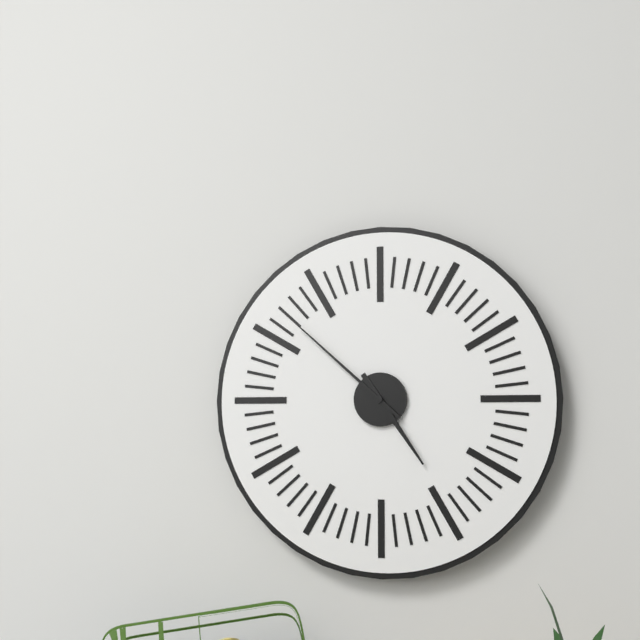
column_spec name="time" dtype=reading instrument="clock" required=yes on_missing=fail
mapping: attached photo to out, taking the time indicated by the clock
4:52
